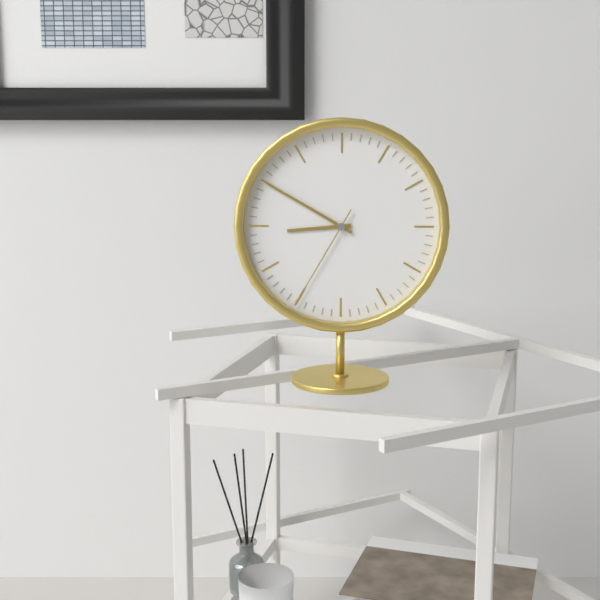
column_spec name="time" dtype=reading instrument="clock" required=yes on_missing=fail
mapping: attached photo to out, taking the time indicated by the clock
8:50:35
